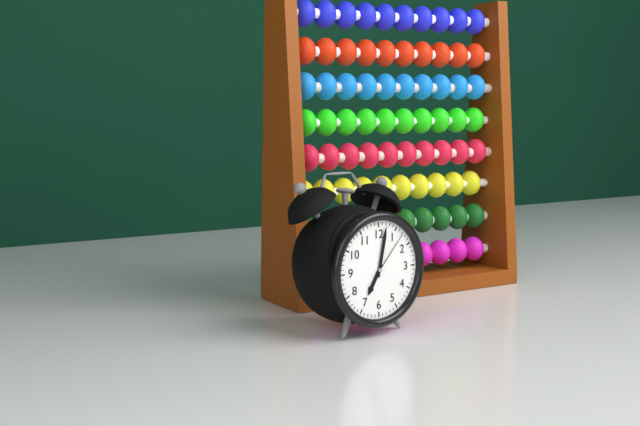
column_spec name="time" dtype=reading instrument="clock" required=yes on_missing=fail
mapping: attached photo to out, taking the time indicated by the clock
7:02:07
